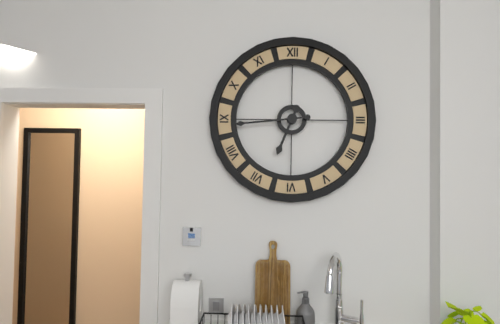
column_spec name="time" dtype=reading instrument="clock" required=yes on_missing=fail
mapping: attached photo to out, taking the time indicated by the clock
6:44
